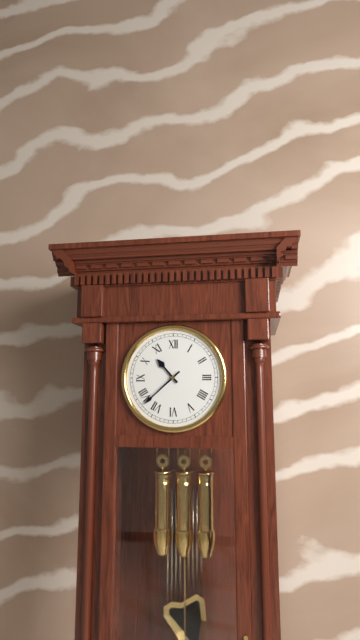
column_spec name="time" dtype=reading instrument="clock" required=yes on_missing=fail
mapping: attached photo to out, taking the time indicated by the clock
10:38
